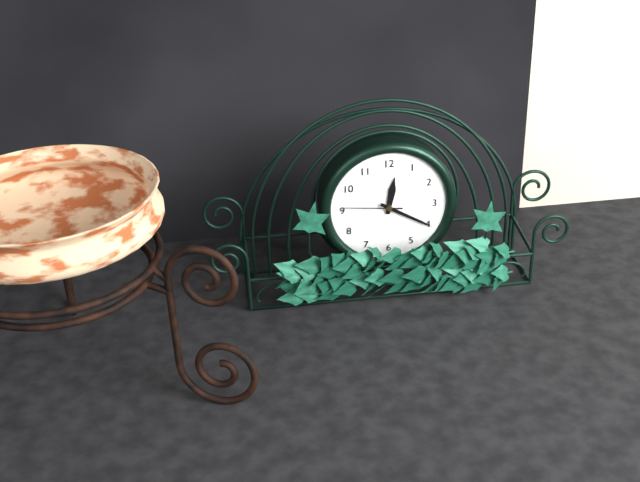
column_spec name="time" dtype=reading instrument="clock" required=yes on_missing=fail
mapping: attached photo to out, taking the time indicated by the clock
12:20:46
